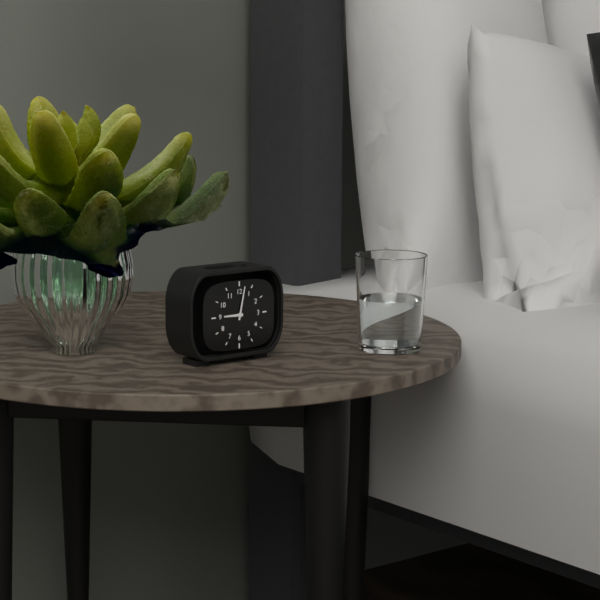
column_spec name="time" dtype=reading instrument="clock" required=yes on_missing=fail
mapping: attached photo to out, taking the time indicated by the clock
9:02
